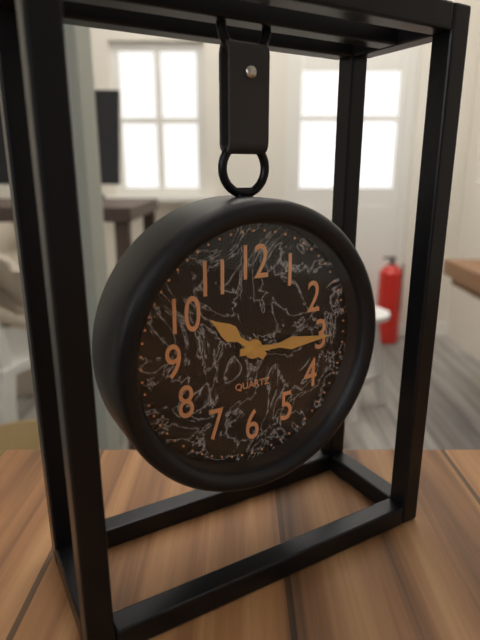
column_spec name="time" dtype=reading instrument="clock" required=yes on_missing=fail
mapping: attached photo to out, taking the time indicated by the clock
10:15
